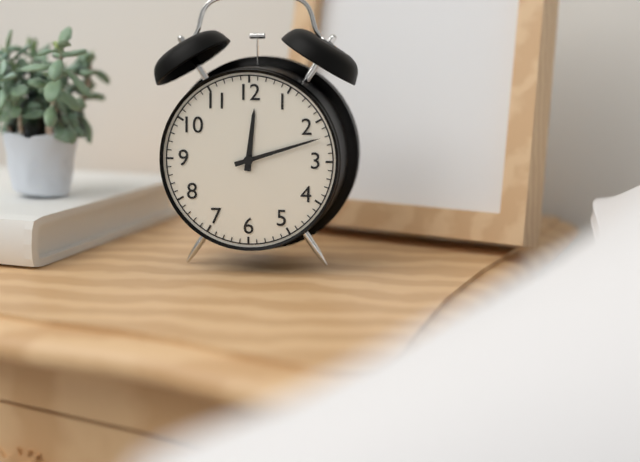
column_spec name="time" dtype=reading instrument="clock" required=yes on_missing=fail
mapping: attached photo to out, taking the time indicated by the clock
12:12
